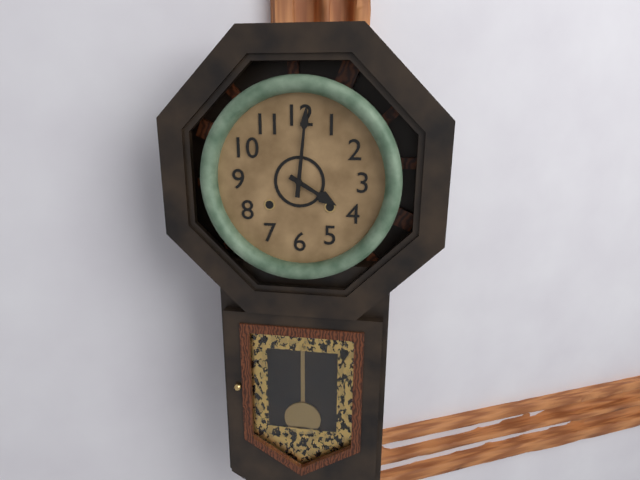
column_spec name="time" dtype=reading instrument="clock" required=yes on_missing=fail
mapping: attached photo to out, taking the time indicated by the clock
4:01
